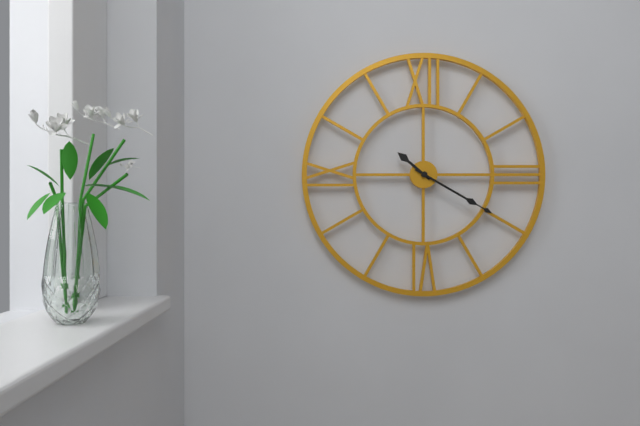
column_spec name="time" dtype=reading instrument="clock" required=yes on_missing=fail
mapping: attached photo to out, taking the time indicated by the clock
10:20:20
